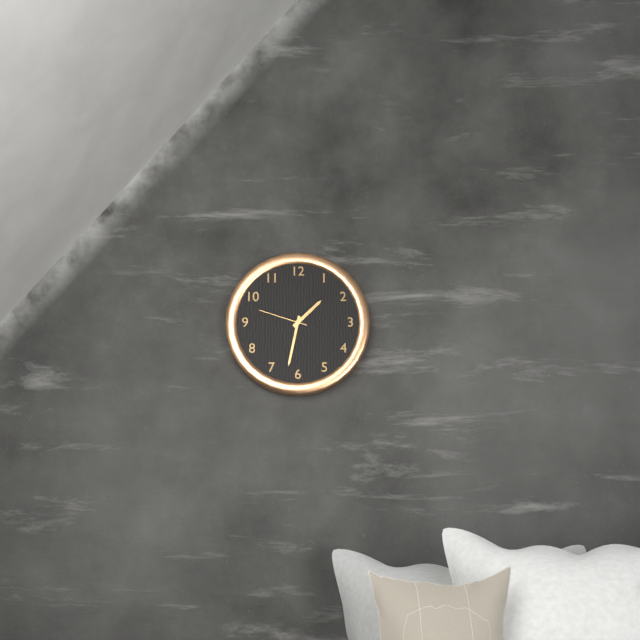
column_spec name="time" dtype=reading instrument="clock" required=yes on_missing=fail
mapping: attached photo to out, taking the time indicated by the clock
1:32:48
